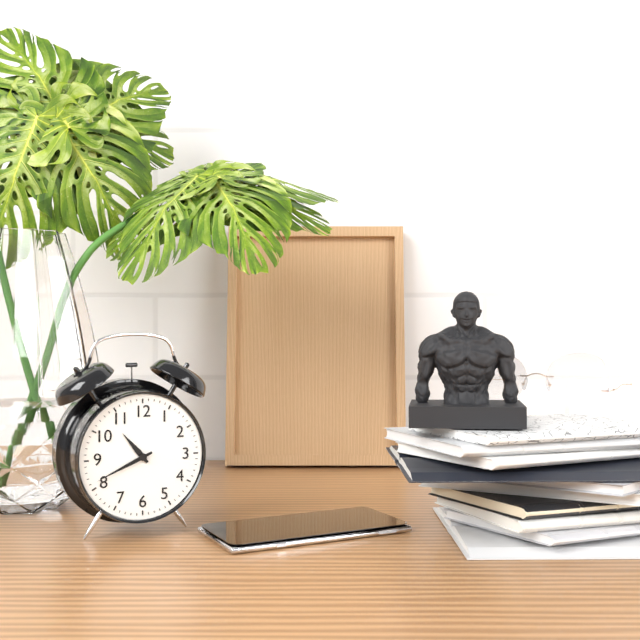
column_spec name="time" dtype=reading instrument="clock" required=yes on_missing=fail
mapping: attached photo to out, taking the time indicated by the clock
10:41
